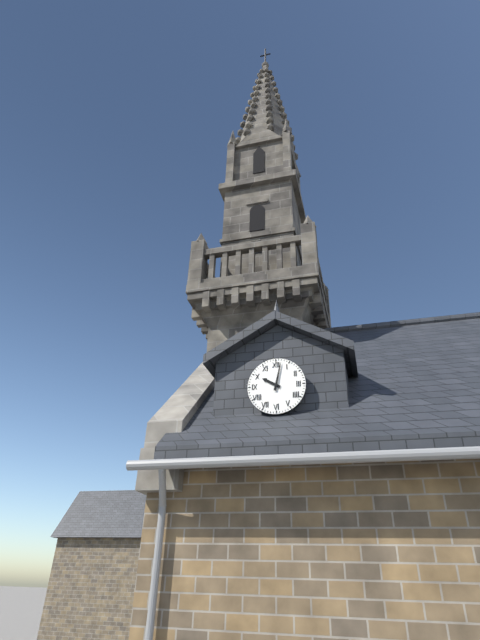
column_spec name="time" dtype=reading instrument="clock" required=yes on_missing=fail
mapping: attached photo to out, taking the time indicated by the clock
10:02
